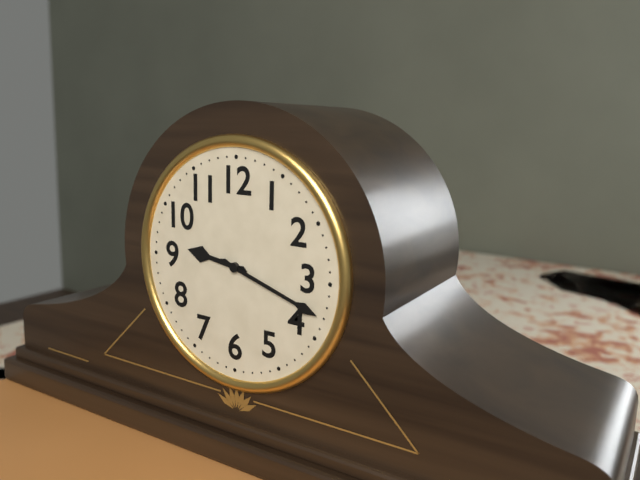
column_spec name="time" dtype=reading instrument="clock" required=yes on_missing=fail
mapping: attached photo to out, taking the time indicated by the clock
9:18
